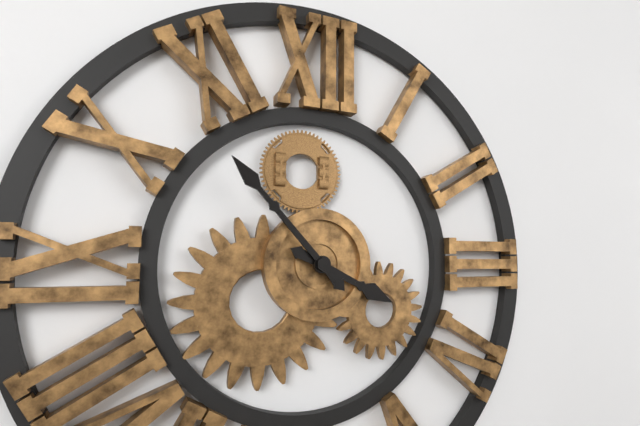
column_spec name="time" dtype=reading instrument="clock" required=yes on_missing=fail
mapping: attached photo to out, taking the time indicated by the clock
3:53
